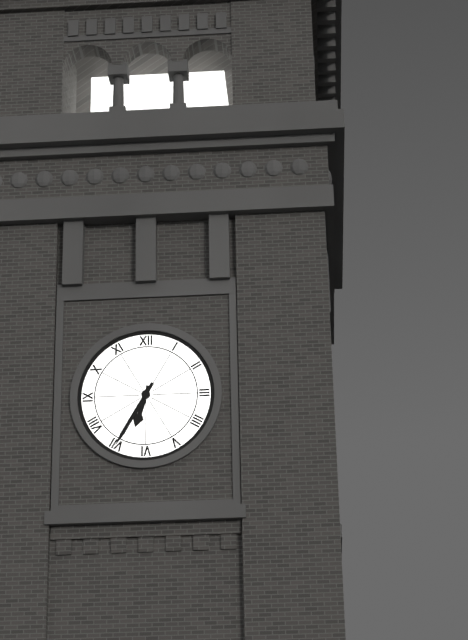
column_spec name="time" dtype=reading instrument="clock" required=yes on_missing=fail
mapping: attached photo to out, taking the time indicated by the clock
6:35
